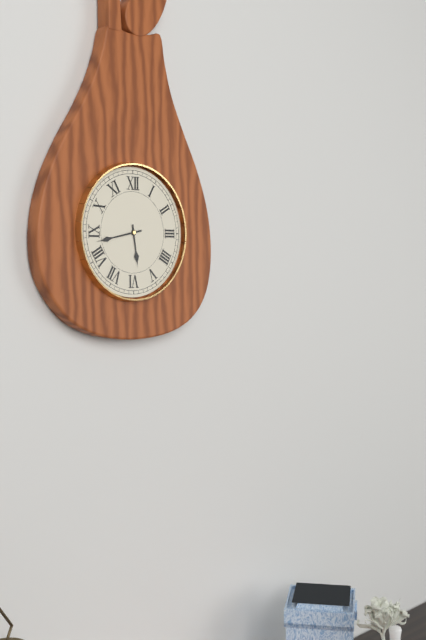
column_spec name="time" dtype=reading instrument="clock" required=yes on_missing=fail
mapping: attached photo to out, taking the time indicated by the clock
5:43
